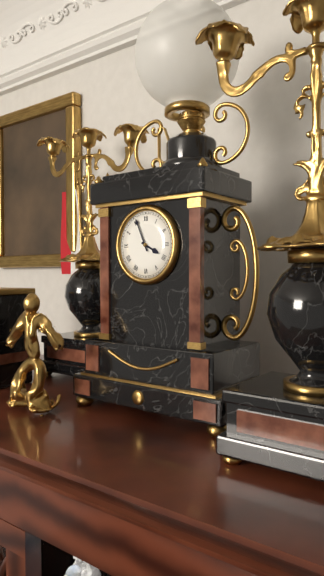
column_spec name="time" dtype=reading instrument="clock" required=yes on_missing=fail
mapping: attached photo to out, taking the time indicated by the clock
3:56
